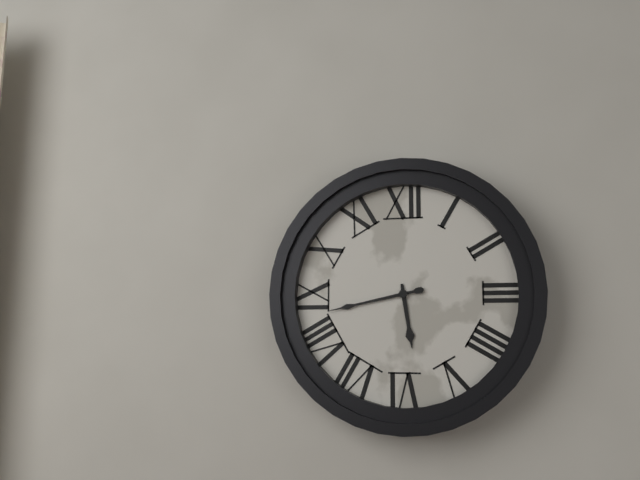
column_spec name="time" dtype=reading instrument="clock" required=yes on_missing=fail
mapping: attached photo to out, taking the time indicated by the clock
5:43
